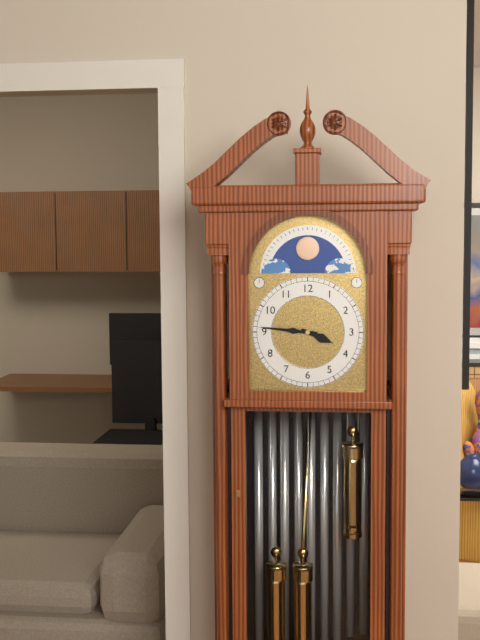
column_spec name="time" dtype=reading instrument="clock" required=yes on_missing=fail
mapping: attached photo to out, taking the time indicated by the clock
3:46
